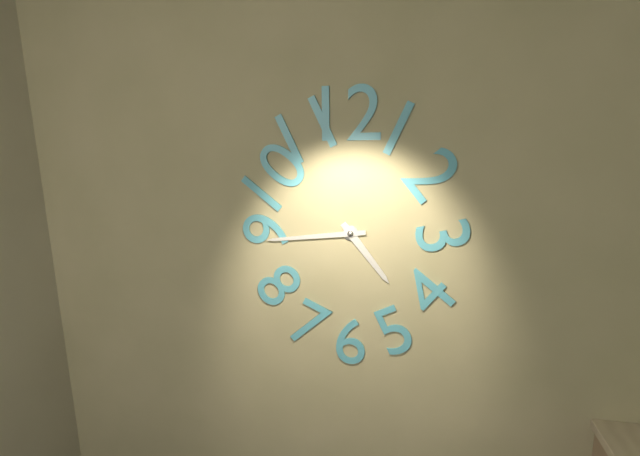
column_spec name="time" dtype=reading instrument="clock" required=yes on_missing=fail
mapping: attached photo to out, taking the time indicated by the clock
4:44
